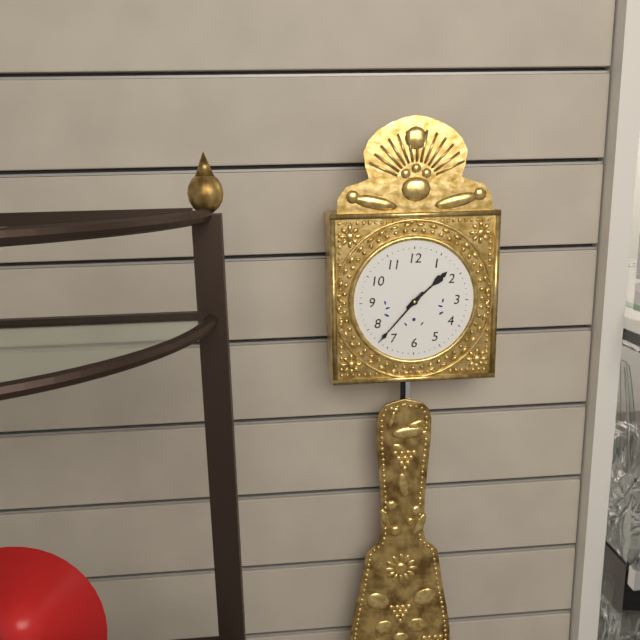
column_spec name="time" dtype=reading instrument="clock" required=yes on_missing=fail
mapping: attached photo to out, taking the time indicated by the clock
1:37
